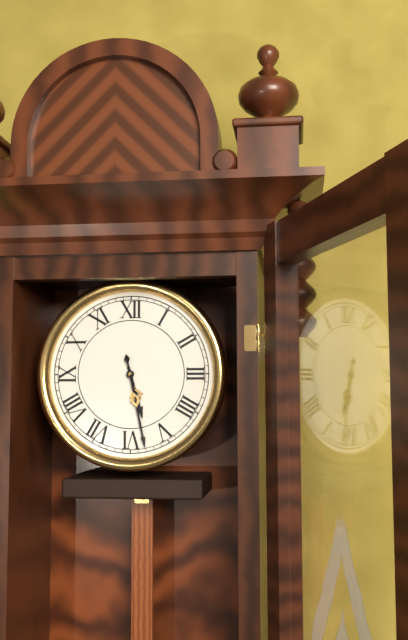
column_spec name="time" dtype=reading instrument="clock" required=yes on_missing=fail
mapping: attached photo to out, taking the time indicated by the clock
5:28
